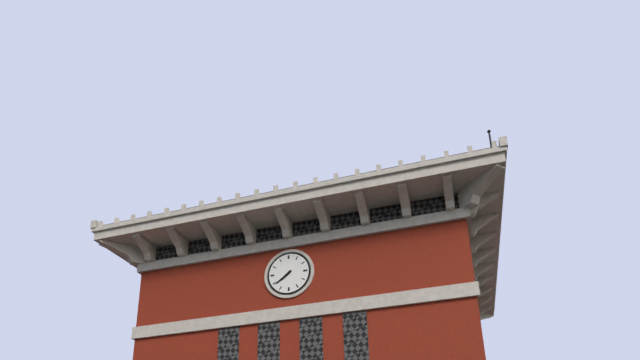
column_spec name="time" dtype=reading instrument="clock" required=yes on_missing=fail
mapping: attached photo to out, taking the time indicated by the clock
7:39
